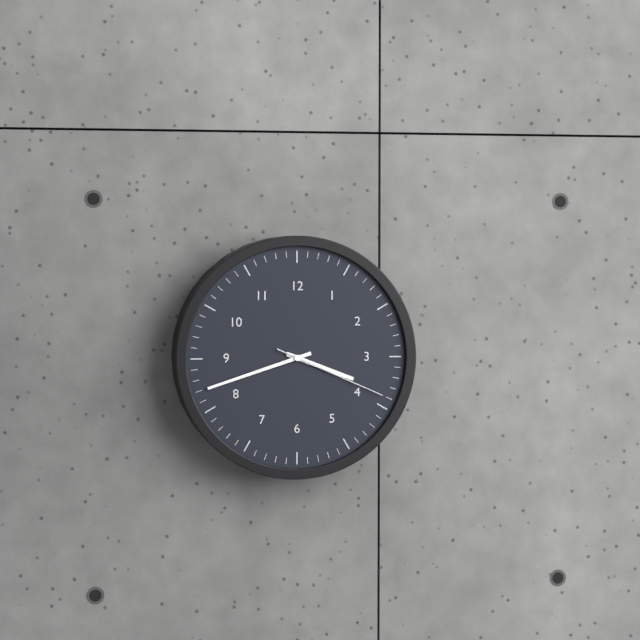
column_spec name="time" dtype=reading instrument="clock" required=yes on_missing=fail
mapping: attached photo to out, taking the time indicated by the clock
3:42:19
